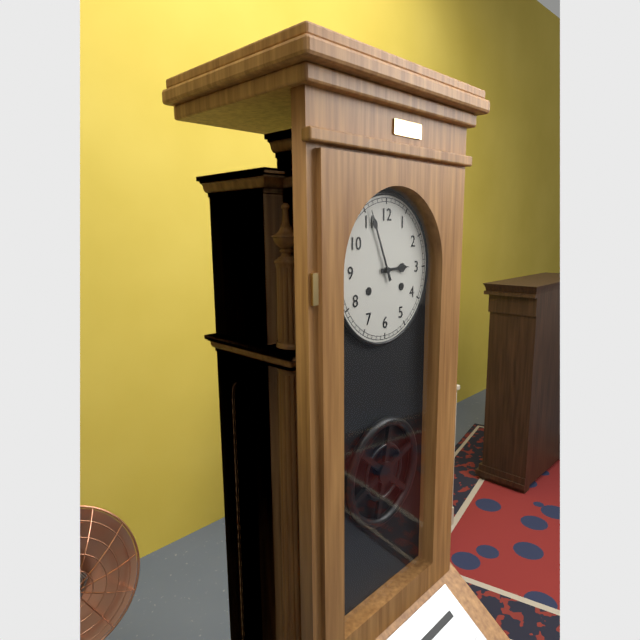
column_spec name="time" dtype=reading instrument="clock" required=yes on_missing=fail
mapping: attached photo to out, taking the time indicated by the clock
2:56
